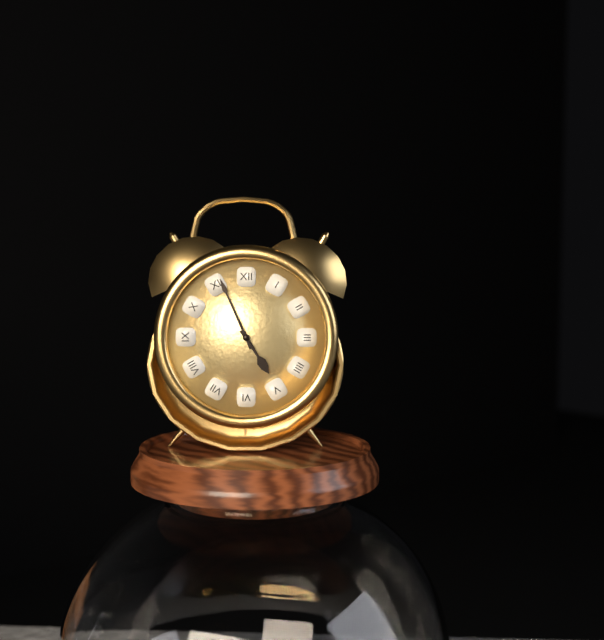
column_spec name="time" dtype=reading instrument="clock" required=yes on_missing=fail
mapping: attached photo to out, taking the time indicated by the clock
4:56
